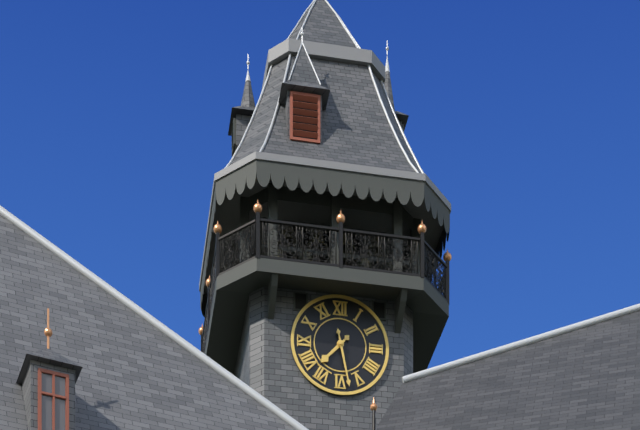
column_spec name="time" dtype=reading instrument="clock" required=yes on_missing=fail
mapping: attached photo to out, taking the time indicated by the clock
7:28
